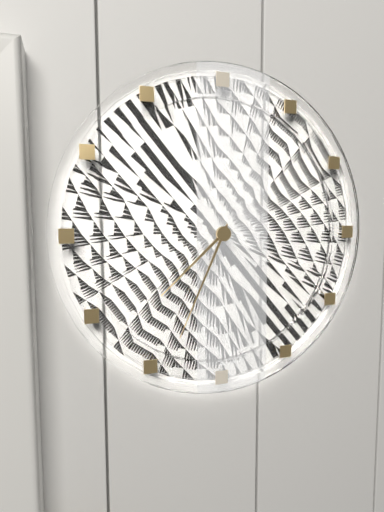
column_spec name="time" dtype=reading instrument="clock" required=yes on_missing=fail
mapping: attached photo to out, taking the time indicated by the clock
7:34
